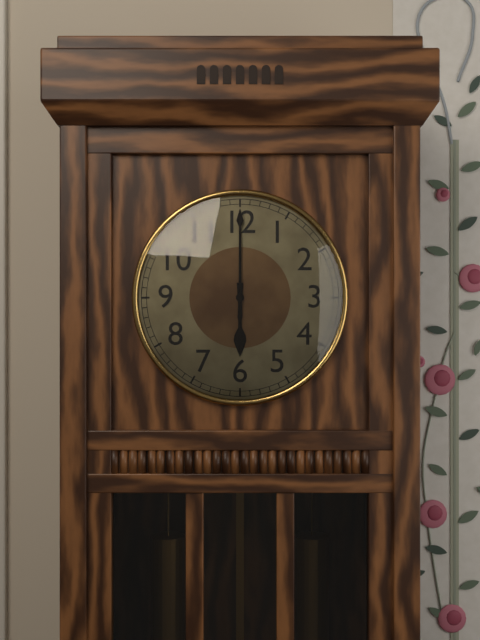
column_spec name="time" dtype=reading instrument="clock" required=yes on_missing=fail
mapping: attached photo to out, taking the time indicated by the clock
6:00
